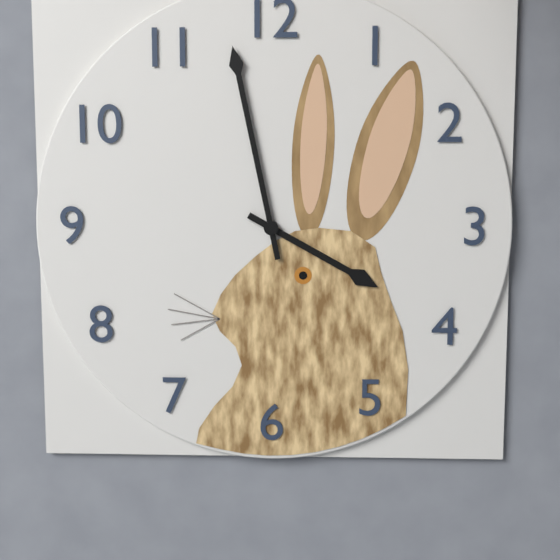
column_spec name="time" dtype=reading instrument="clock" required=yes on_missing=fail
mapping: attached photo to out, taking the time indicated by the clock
3:58
